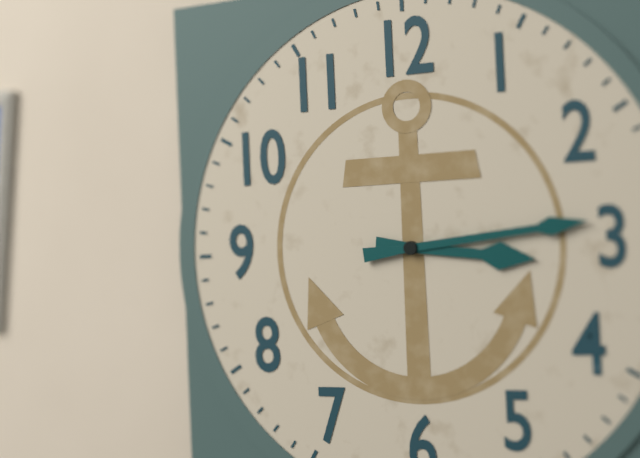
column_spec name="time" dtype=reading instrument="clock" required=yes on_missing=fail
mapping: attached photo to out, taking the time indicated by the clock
3:14
